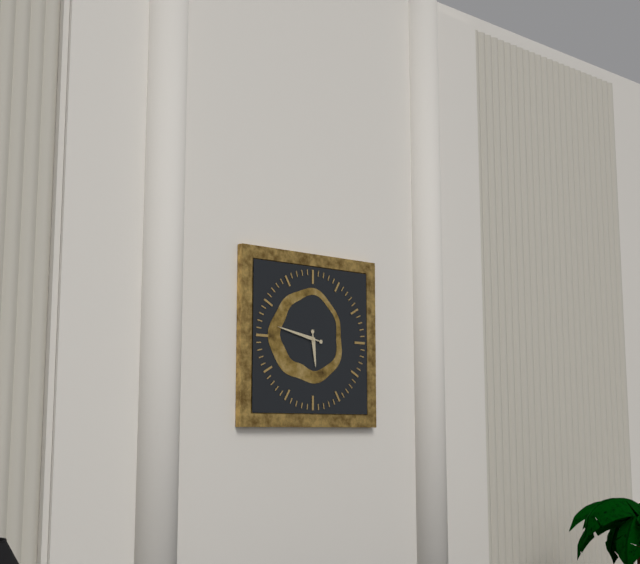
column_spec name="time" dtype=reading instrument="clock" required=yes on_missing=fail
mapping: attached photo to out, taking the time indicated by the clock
5:47
